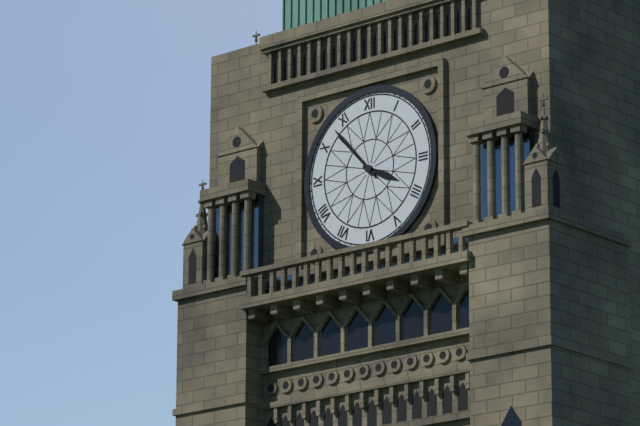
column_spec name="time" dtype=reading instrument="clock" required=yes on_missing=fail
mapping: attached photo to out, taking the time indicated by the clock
3:53
